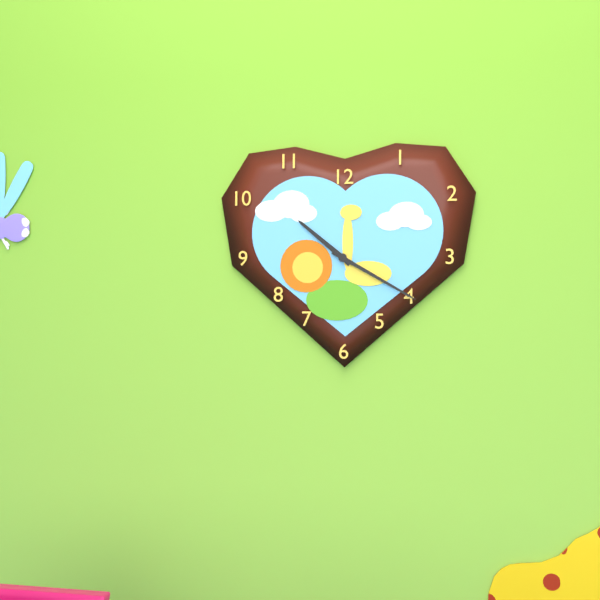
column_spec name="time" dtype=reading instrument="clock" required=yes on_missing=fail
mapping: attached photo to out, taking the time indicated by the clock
10:20
